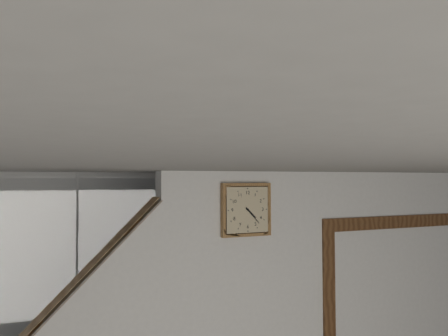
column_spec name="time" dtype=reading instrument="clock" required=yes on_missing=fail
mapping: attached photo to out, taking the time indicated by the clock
4:23
